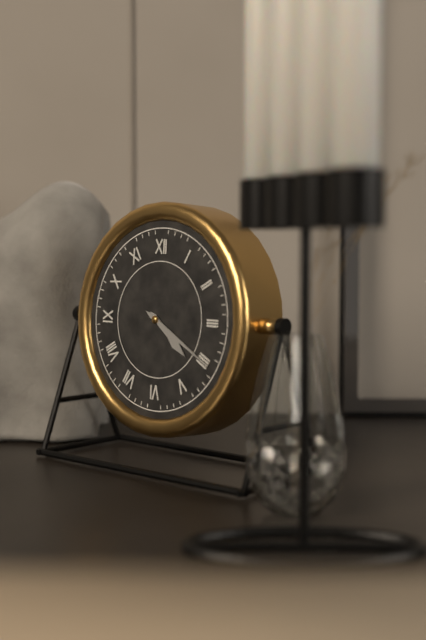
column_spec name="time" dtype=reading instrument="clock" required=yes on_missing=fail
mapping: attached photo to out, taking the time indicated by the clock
4:20
